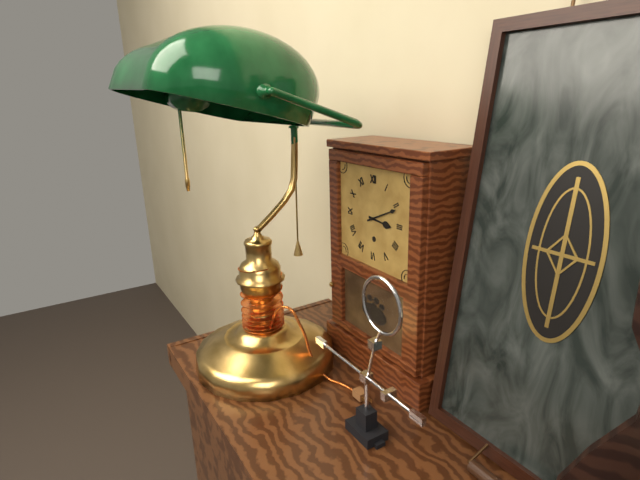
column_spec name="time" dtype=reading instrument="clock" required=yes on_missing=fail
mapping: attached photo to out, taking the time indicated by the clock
3:11
